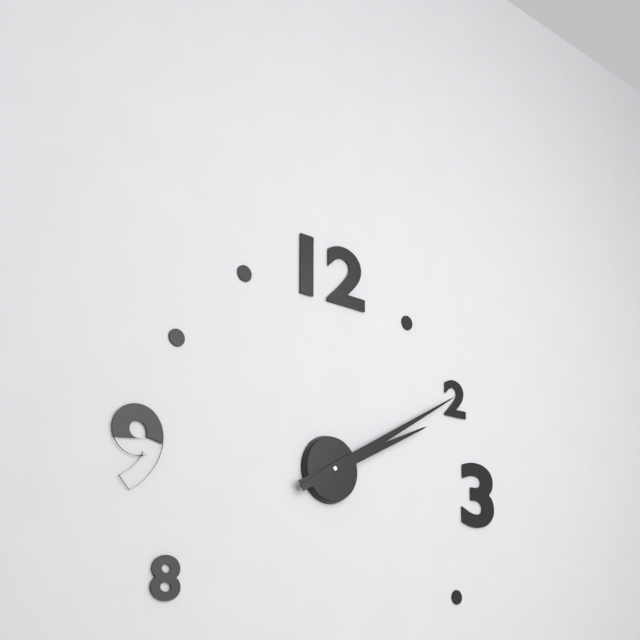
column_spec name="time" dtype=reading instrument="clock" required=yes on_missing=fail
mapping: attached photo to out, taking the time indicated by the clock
2:10
